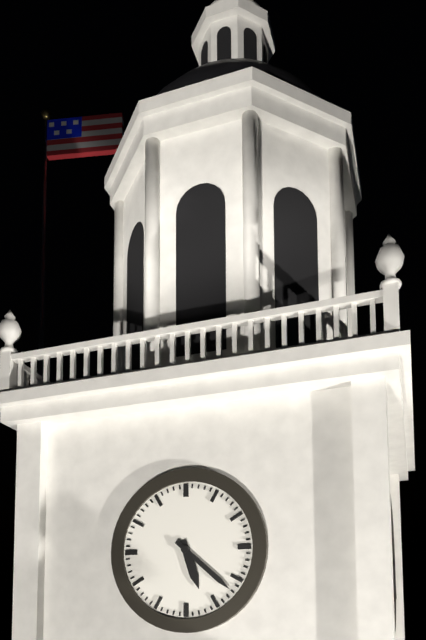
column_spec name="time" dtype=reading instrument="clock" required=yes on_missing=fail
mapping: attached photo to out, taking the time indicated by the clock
5:22
